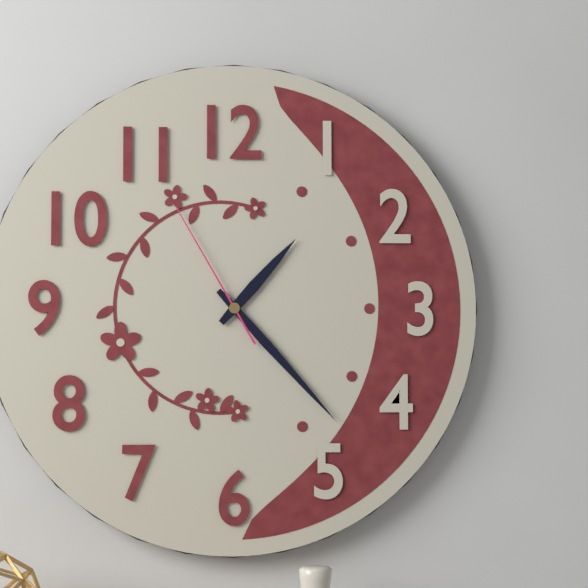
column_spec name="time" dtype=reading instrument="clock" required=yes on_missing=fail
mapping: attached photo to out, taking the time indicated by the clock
1:23:55
